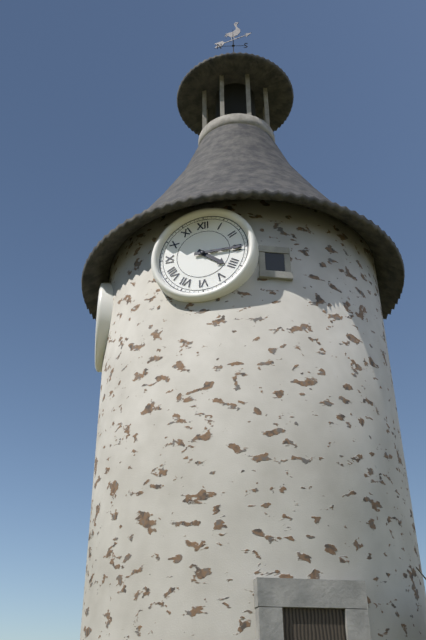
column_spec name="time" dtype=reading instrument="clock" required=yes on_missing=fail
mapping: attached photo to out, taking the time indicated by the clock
4:15
